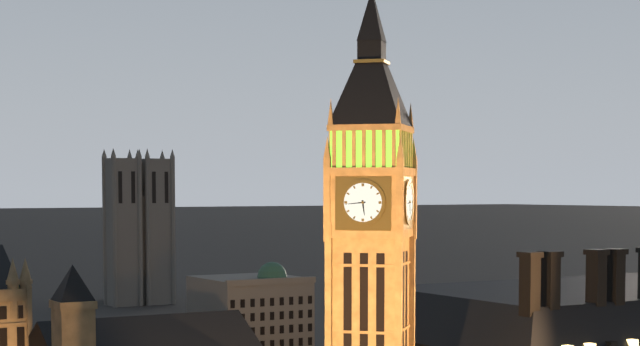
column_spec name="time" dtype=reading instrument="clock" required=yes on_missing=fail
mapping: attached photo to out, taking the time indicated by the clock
5:44
